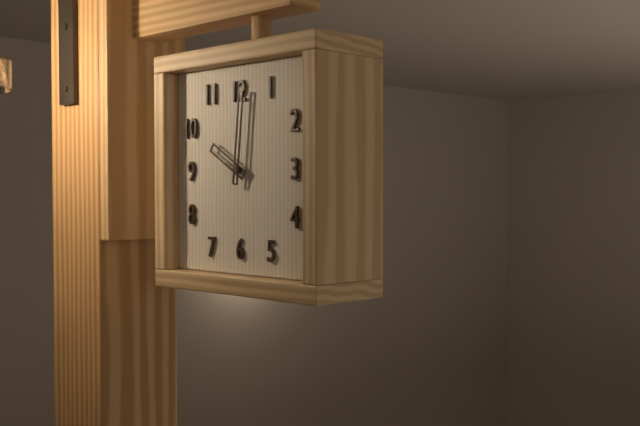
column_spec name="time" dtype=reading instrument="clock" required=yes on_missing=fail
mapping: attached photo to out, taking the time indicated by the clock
10:01
